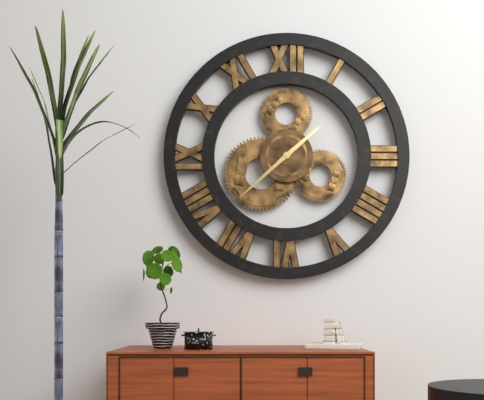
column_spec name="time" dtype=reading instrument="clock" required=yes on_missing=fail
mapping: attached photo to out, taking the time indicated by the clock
1:38
